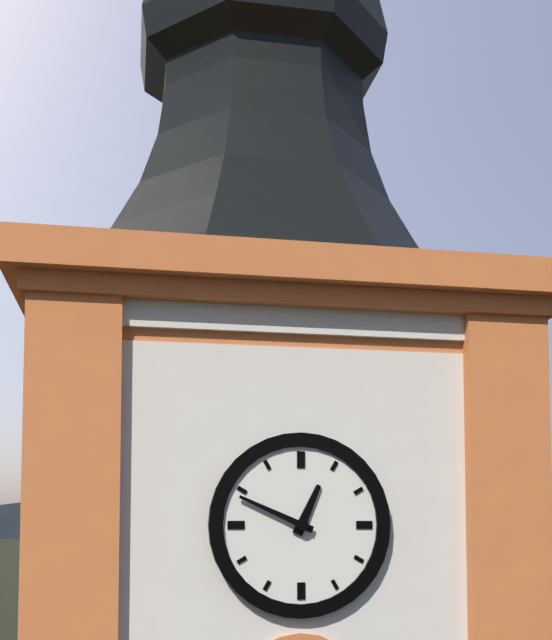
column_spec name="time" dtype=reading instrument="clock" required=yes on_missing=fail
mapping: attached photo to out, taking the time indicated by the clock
12:49
